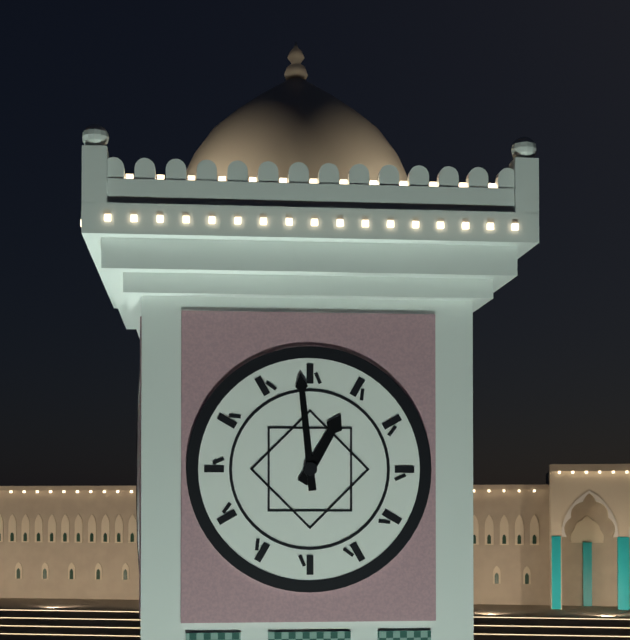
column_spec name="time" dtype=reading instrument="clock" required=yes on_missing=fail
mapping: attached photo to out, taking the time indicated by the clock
12:59
